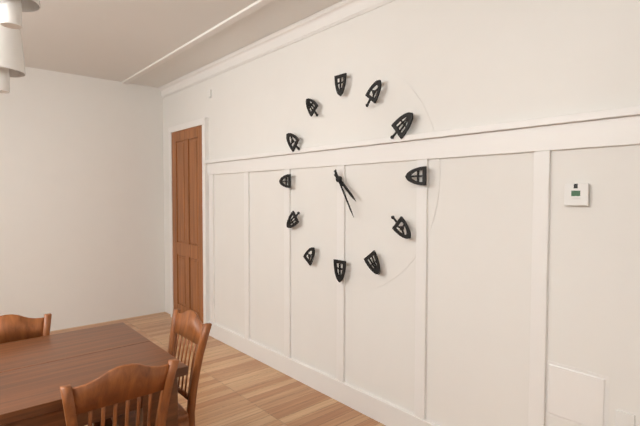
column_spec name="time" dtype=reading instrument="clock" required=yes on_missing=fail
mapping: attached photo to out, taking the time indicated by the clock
4:25
